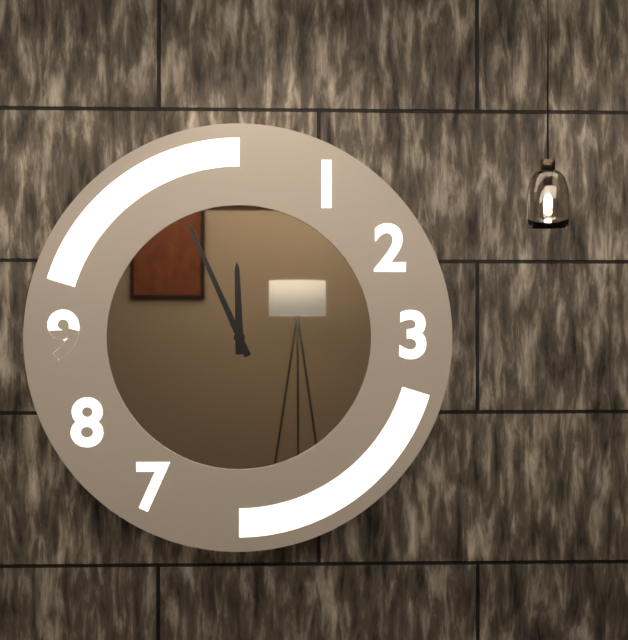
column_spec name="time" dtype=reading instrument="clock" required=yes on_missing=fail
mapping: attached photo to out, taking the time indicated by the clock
11:56
